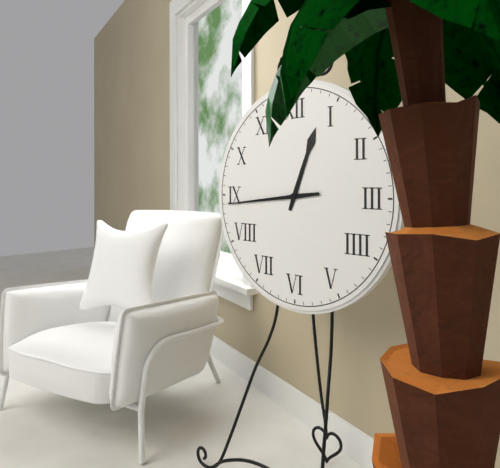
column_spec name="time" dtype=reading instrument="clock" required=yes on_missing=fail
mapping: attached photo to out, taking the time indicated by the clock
12:44
